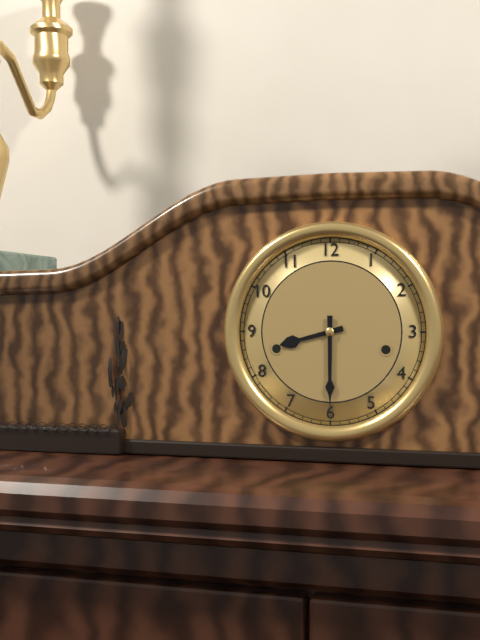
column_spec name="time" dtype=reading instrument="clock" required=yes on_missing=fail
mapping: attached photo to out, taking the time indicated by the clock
8:30
